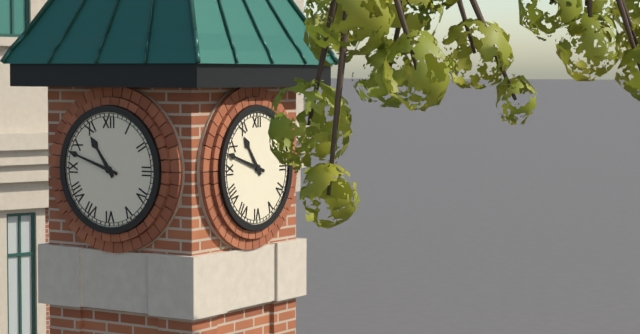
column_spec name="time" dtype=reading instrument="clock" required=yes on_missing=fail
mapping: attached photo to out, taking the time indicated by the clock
10:48
